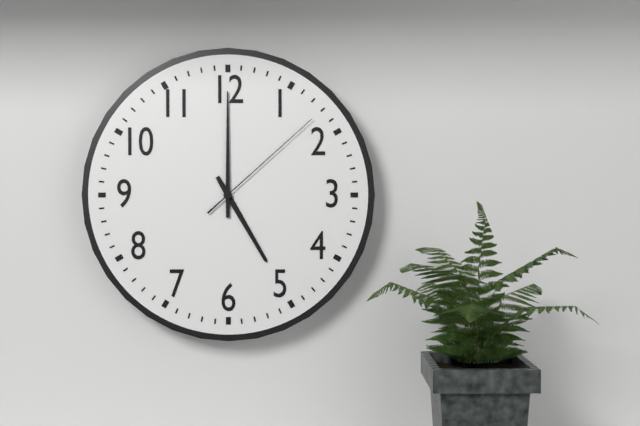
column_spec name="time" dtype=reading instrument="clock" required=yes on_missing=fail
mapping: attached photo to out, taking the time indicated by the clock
5:00:08
